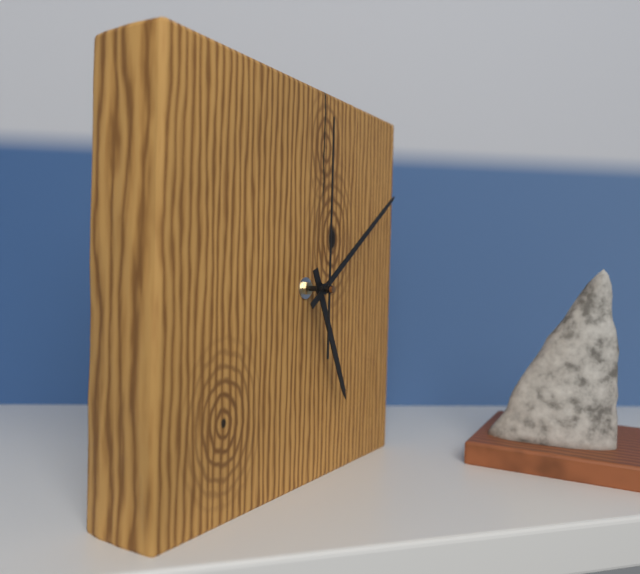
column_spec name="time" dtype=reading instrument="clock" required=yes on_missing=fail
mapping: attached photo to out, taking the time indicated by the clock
5:09:00
